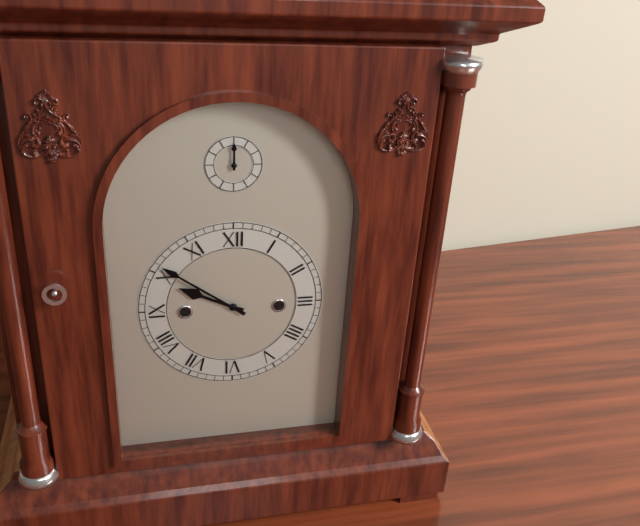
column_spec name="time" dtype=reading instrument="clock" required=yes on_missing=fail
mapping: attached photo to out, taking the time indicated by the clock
9:51
